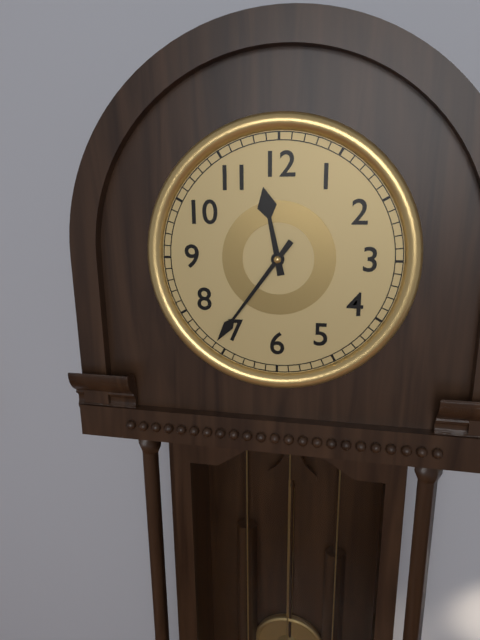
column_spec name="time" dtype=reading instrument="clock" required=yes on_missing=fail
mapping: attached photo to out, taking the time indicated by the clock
11:36
